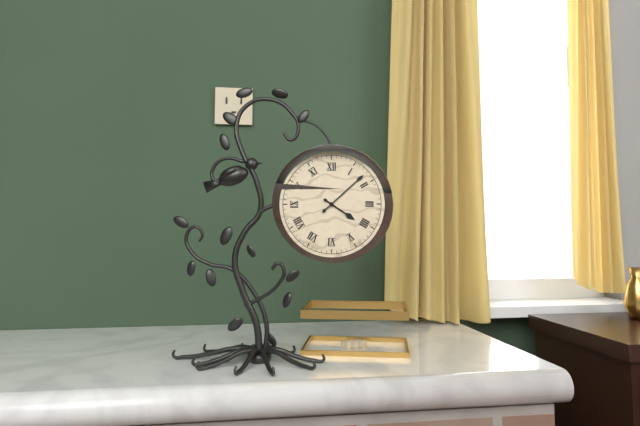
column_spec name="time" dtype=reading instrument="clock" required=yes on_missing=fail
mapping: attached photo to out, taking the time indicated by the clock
4:08
